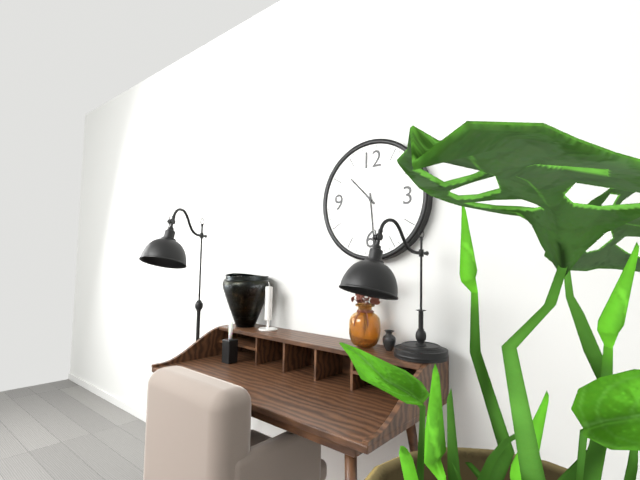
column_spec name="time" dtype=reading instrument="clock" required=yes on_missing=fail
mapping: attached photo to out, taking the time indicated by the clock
10:29
